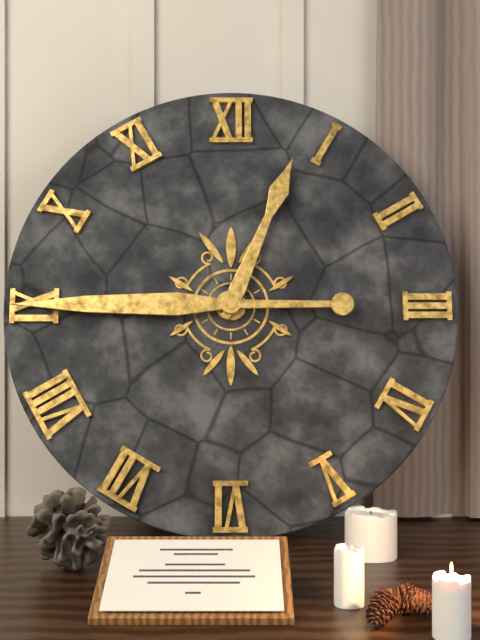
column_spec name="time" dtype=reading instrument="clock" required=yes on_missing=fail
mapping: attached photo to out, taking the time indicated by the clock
12:45
